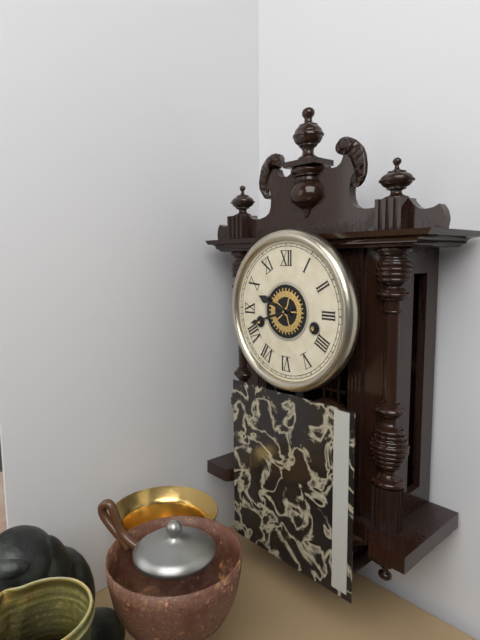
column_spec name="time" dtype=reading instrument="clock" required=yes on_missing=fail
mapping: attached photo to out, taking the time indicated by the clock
9:42
